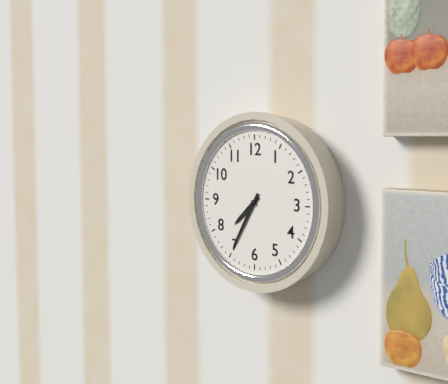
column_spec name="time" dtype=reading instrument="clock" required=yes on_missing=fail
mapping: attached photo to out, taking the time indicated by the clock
7:35
